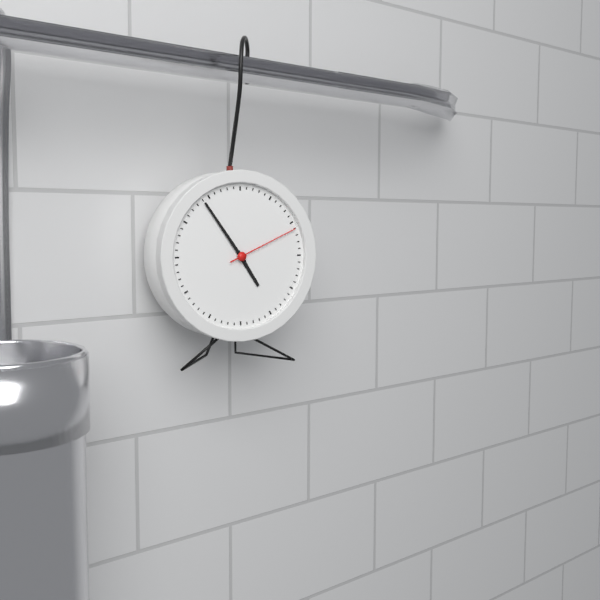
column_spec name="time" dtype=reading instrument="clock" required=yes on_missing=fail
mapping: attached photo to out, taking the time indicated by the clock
4:54:11
